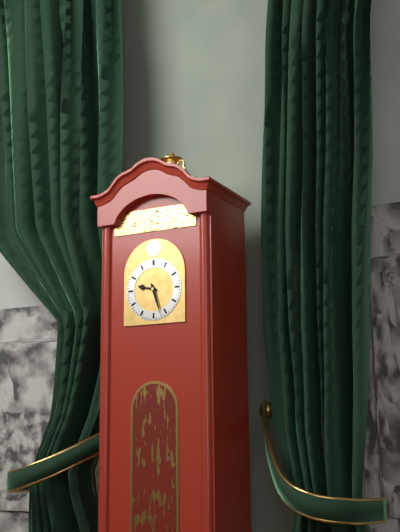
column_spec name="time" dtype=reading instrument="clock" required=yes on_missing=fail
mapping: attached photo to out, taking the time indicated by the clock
9:27
